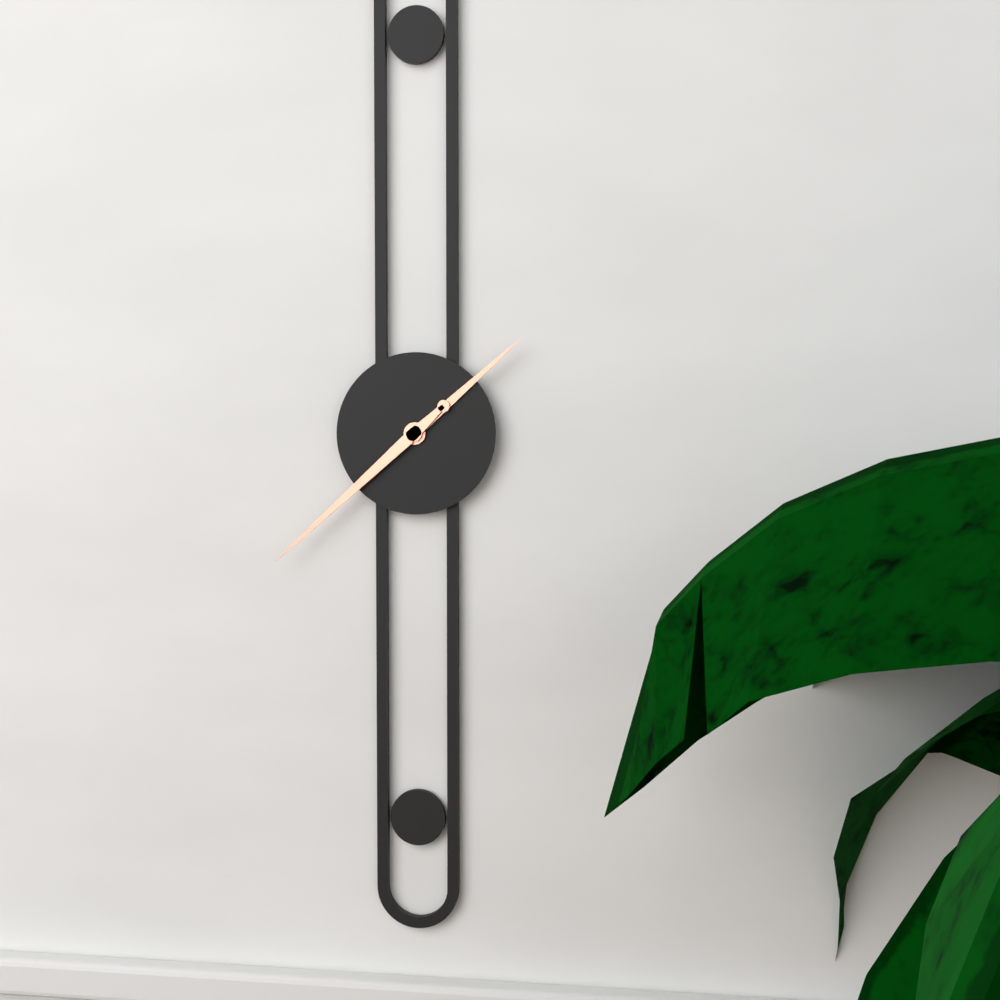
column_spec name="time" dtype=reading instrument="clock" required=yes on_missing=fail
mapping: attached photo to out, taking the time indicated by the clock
1:38
